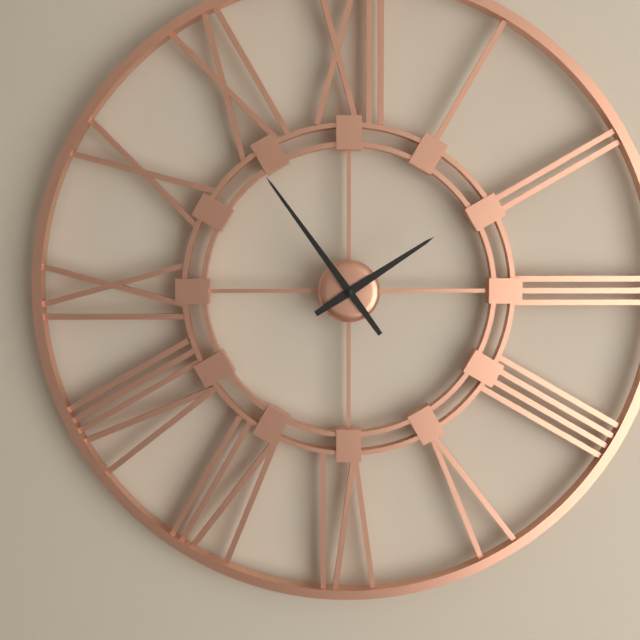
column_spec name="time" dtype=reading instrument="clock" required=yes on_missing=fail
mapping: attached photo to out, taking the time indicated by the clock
1:54
